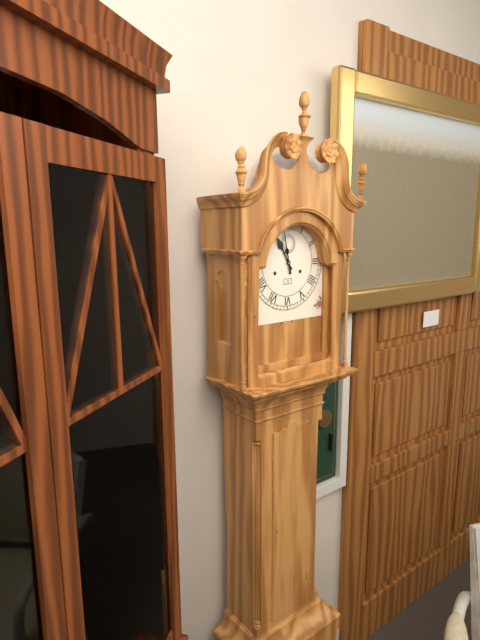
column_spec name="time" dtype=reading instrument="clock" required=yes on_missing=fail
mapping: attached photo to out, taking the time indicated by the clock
10:58
